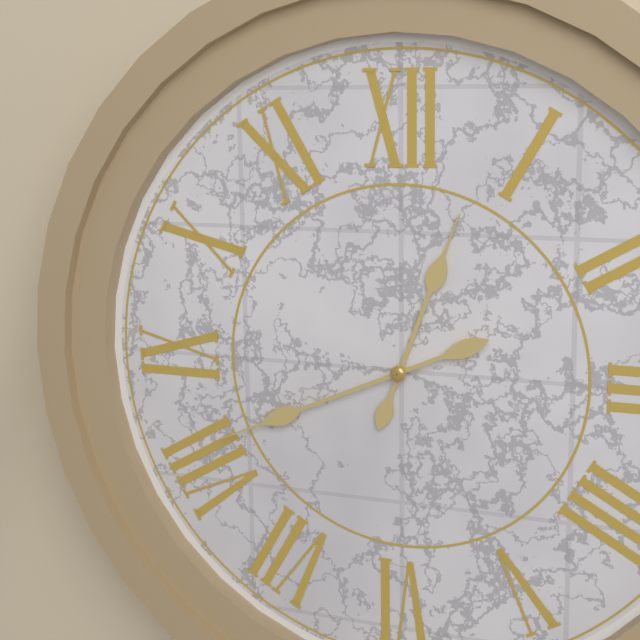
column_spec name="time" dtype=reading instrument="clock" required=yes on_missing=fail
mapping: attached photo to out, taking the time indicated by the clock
12:41
